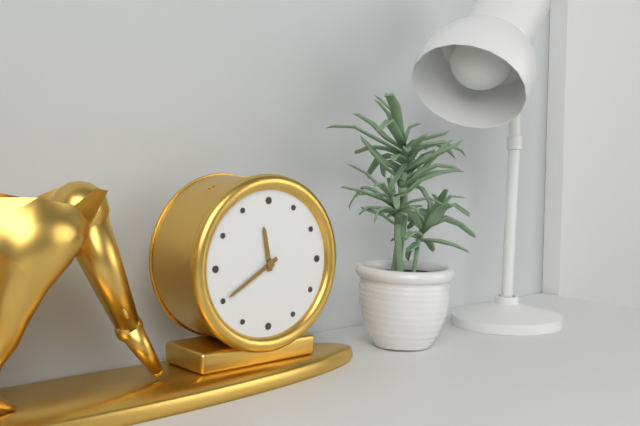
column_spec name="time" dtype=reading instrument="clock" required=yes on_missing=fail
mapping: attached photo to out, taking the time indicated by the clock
11:40
